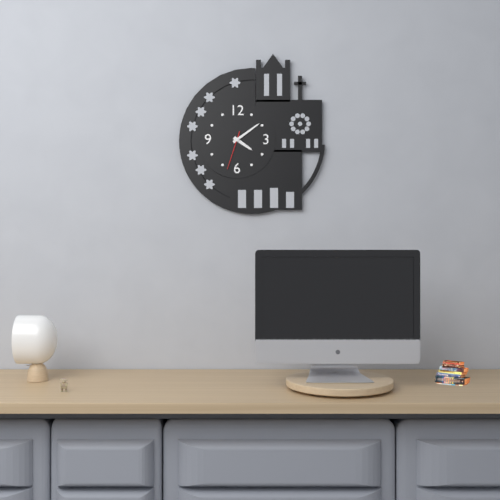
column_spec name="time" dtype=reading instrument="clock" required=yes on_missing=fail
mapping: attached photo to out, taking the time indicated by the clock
4:09
